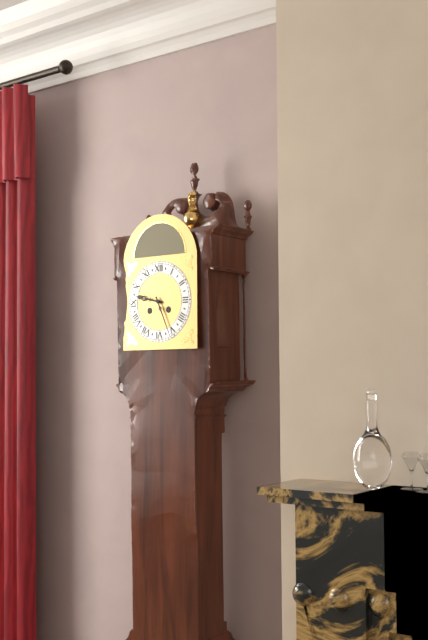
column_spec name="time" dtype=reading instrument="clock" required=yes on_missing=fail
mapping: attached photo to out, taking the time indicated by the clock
9:26
